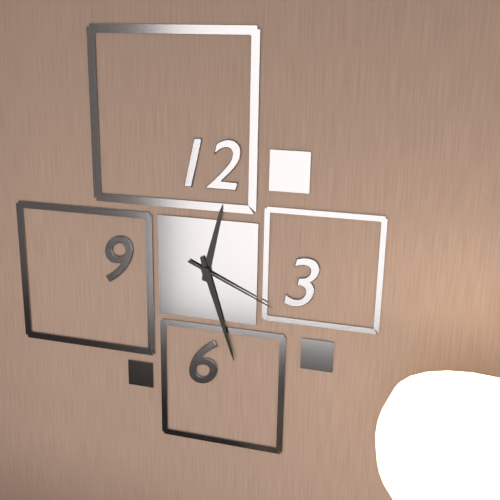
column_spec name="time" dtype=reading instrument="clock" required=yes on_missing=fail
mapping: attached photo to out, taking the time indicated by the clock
12:27:19
